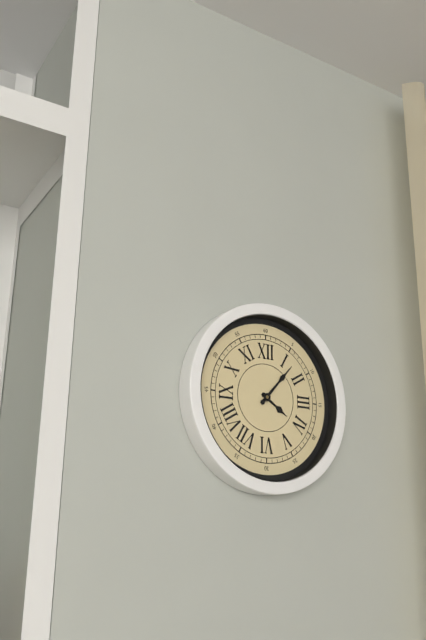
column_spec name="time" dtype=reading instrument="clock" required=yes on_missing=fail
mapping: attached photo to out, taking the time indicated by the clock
4:07
